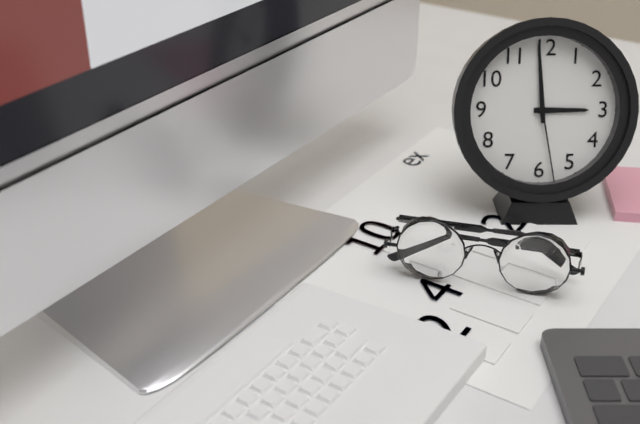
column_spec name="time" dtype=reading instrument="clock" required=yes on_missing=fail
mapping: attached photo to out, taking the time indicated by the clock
2:59:28
